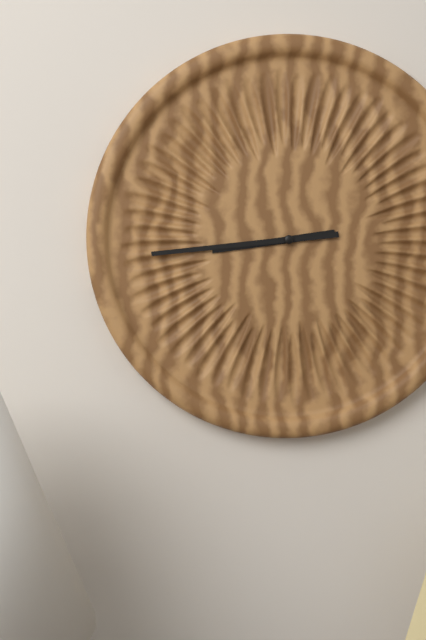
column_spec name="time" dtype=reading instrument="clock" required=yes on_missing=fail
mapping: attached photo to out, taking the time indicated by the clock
8:44
